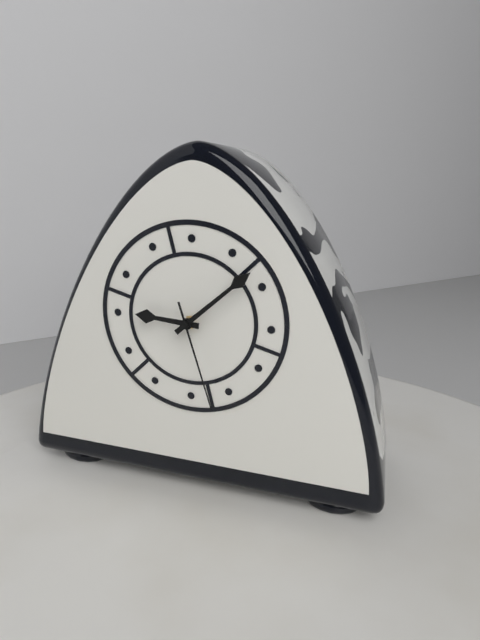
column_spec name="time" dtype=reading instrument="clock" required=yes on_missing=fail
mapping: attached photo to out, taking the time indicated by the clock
9:08:27
